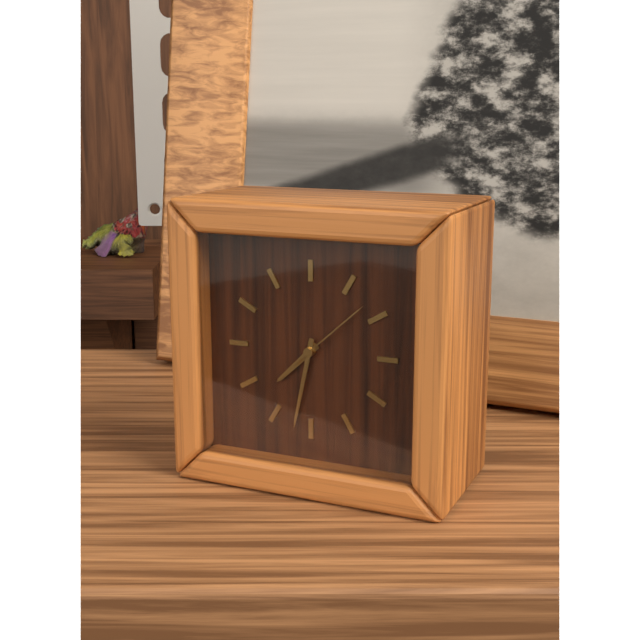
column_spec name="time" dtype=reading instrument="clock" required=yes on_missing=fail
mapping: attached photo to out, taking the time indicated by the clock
7:32:08
